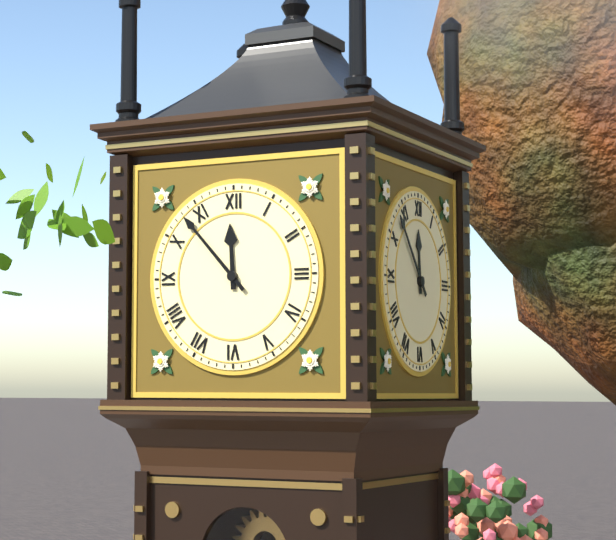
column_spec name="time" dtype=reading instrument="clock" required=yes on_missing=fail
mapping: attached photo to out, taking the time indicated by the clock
11:53
